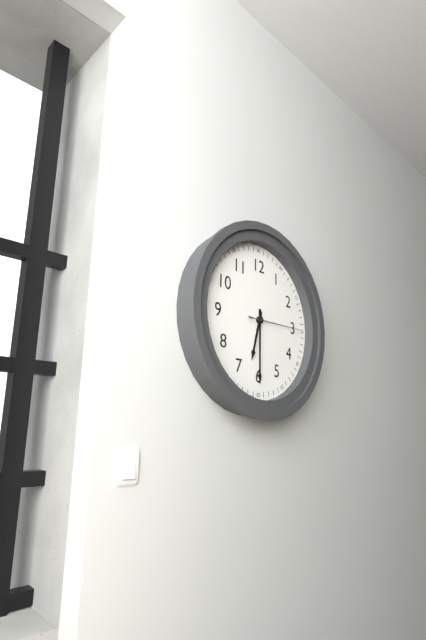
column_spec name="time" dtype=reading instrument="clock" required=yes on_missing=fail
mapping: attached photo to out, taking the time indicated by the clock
6:30:15
